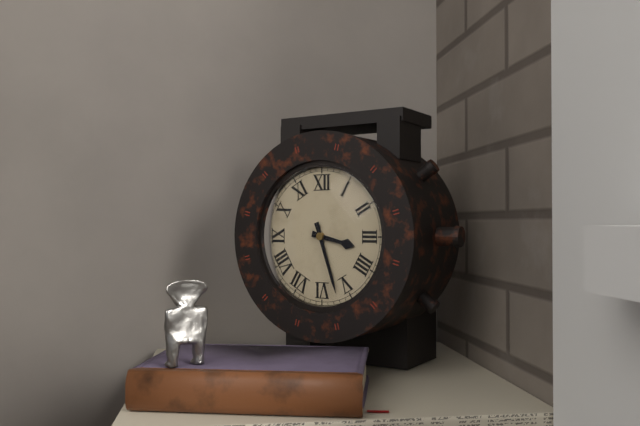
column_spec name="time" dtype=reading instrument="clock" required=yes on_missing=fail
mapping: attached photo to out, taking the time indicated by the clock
3:27
